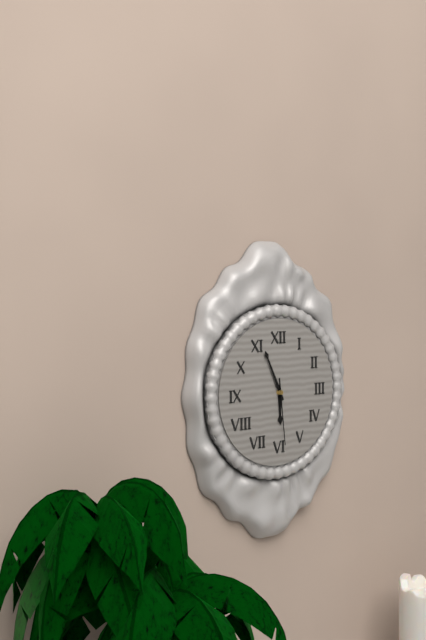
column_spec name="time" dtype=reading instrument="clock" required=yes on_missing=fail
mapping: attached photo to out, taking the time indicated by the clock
5:56:29
